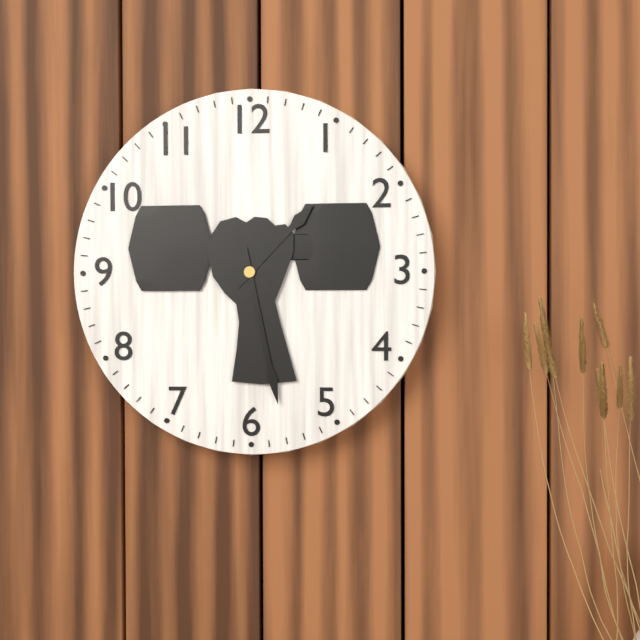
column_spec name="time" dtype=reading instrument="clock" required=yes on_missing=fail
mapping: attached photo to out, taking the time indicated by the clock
1:28
